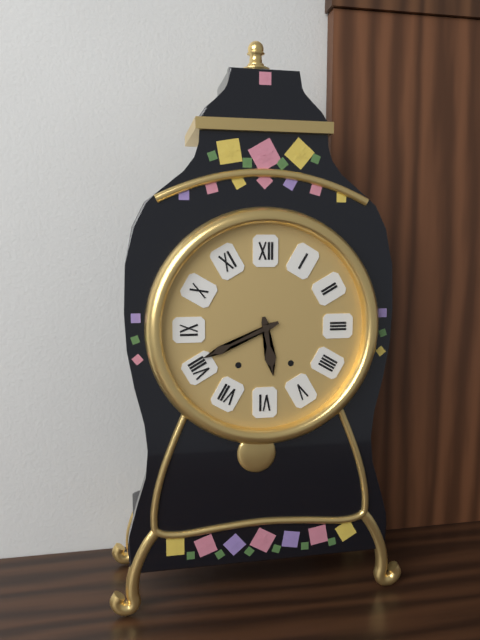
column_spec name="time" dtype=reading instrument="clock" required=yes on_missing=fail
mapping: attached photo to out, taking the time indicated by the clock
5:41
